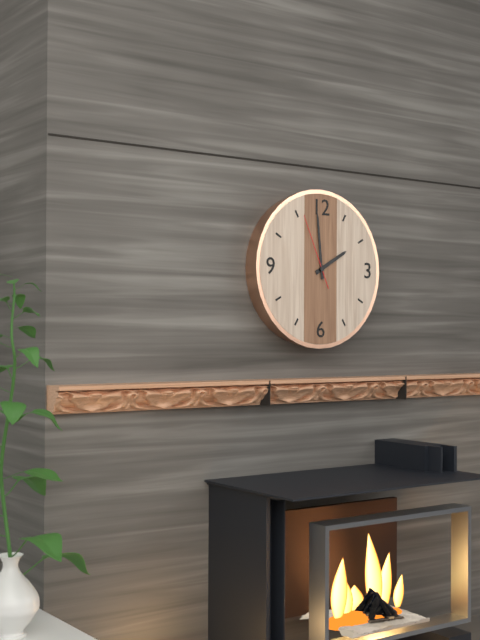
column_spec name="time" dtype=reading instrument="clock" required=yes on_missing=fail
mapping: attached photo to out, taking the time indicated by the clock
1:59:56
